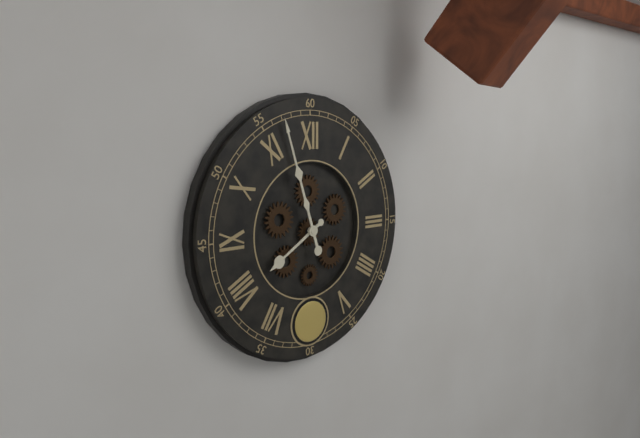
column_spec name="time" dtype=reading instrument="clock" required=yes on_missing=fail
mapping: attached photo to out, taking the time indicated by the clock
7:57
